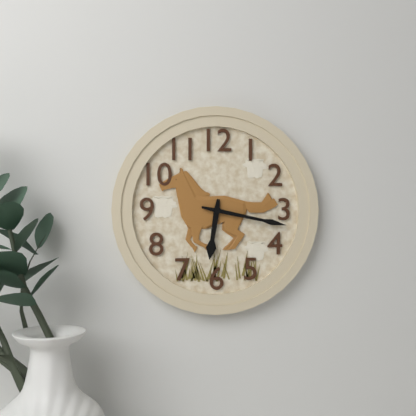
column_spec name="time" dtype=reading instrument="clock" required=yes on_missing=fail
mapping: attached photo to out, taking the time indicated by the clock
6:17
